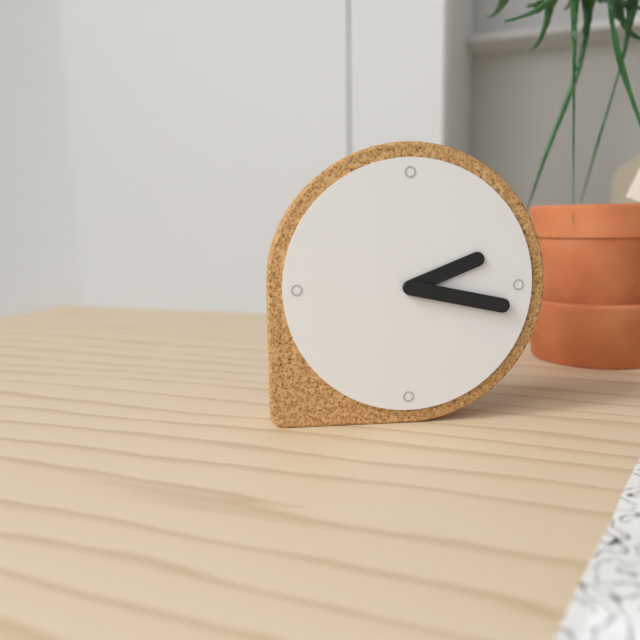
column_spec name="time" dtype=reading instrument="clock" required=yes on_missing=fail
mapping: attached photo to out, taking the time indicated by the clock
2:17
